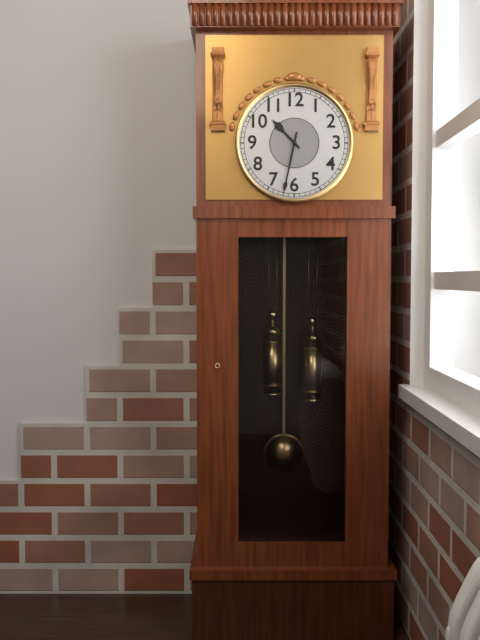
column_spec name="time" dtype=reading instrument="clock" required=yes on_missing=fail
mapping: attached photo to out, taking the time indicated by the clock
10:32
